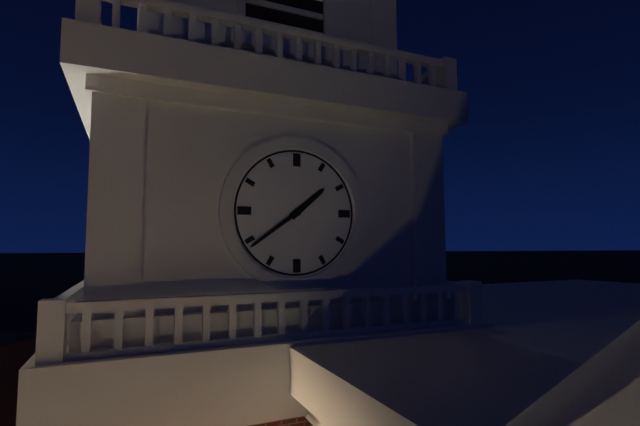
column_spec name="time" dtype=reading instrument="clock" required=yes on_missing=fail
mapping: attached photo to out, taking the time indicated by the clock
1:39
